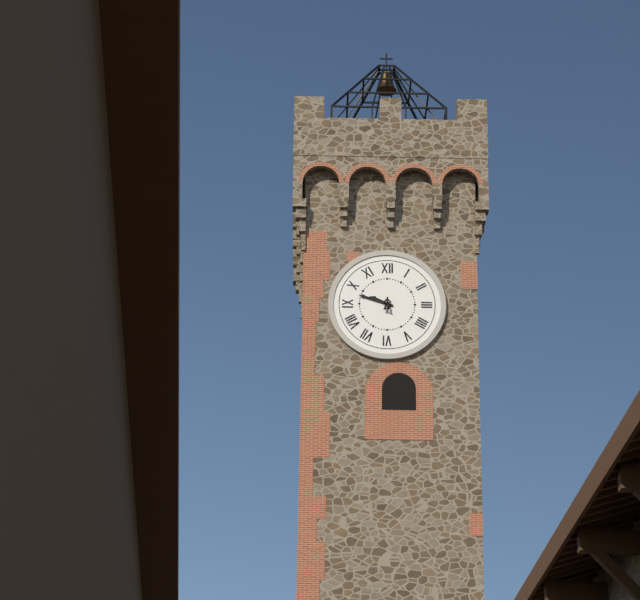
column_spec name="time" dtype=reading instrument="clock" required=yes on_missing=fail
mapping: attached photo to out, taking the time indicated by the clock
9:48
